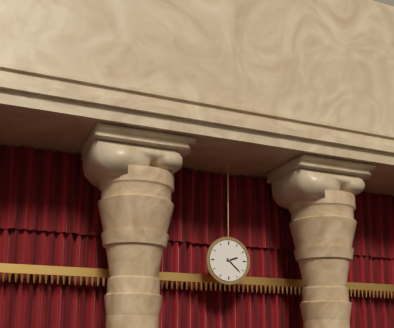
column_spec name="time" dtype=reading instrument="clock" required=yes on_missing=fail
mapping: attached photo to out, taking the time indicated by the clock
2:22
